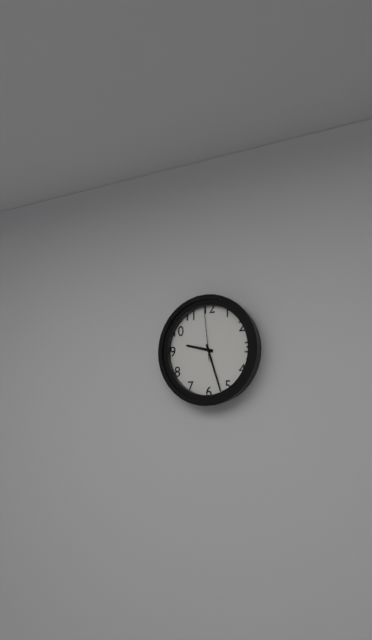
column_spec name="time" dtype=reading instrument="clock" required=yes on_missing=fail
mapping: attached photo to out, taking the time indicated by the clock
9:27:59
